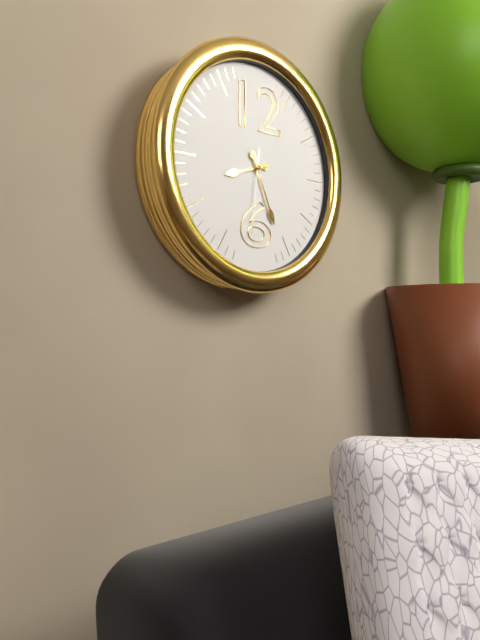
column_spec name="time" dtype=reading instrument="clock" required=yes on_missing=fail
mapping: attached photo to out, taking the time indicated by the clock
8:26:31
